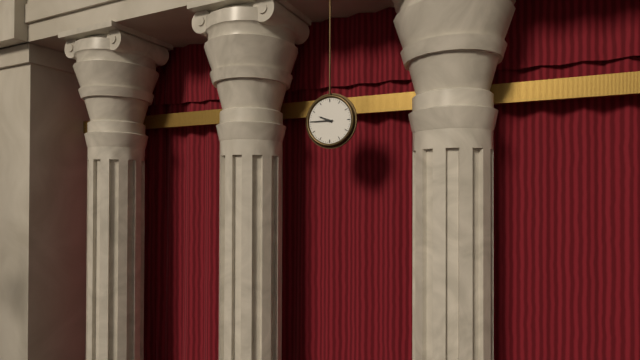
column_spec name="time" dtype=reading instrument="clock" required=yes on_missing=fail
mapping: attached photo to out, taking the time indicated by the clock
9:45
